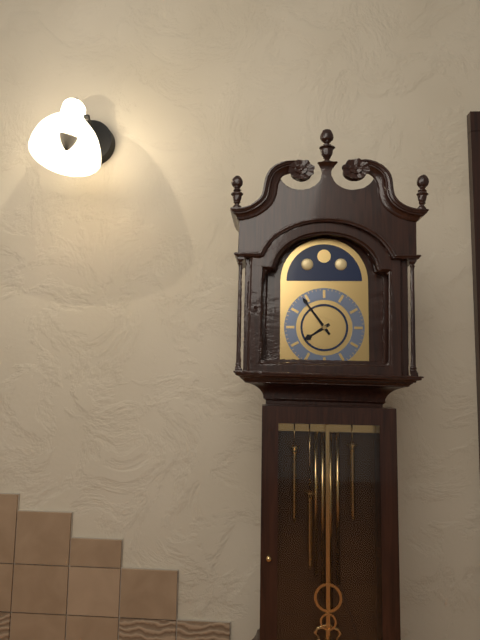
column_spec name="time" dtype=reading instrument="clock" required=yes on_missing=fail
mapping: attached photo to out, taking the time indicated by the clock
7:54
